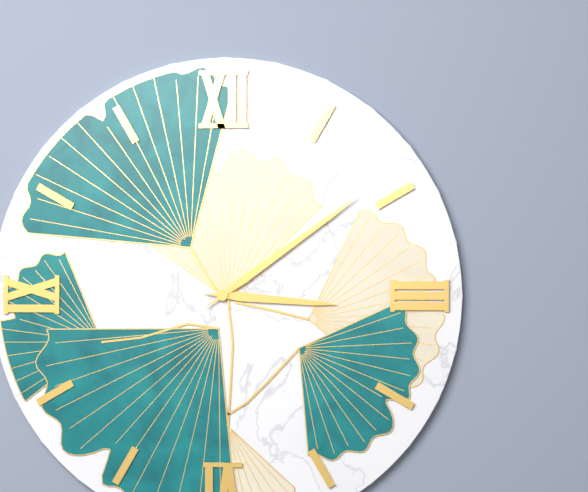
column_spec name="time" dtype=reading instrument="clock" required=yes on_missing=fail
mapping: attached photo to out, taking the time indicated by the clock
3:09
